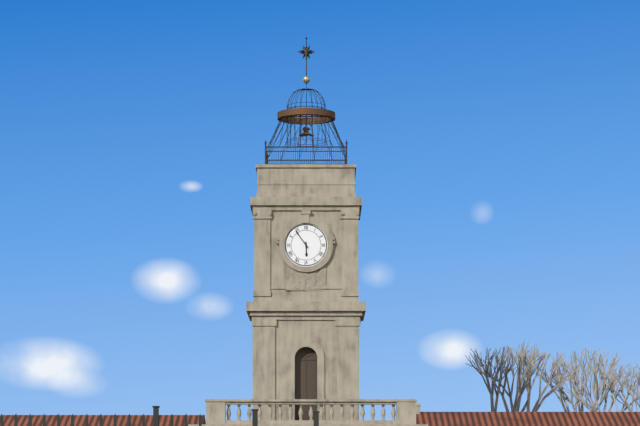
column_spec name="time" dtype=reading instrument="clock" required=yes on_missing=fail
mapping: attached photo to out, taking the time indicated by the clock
5:54
